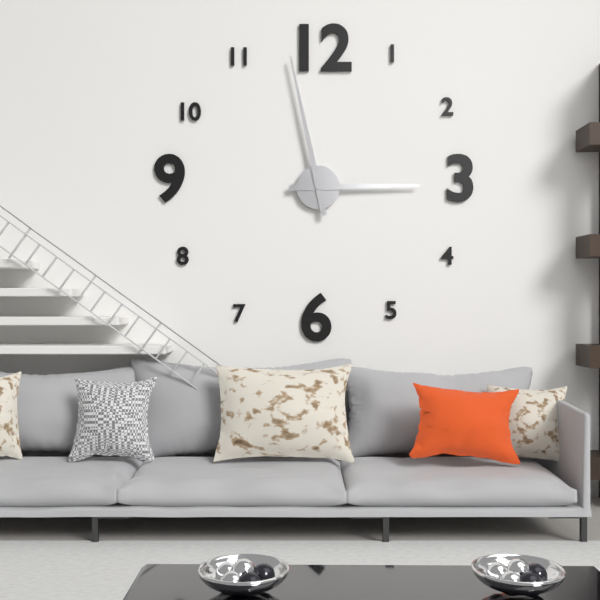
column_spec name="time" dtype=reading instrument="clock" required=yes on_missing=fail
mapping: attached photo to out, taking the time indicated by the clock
2:58
